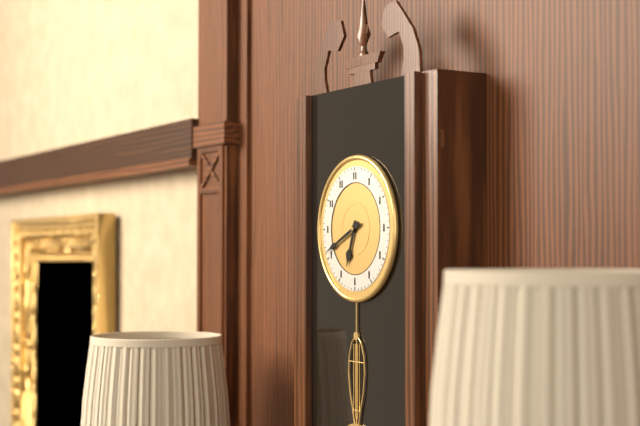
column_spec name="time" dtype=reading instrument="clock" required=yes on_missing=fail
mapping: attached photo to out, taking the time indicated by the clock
6:41
